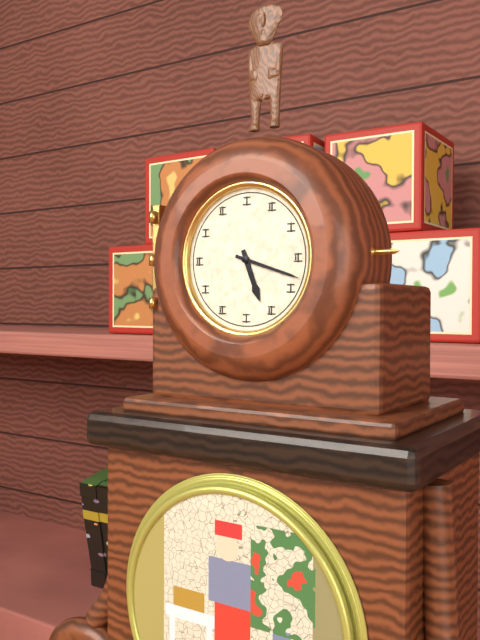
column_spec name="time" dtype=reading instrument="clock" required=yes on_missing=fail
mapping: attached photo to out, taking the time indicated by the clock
5:18
